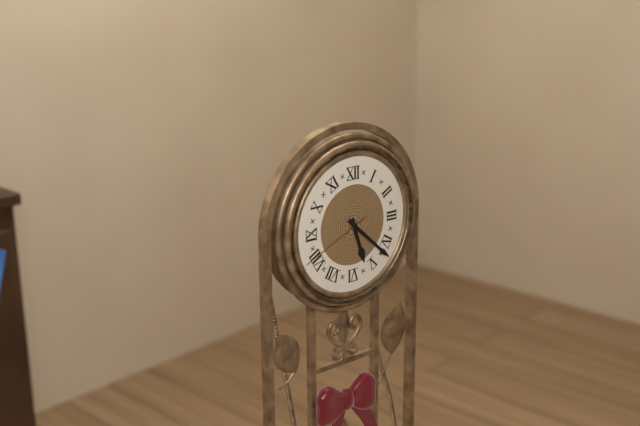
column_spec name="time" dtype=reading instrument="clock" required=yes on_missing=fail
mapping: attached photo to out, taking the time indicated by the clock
5:22:41
